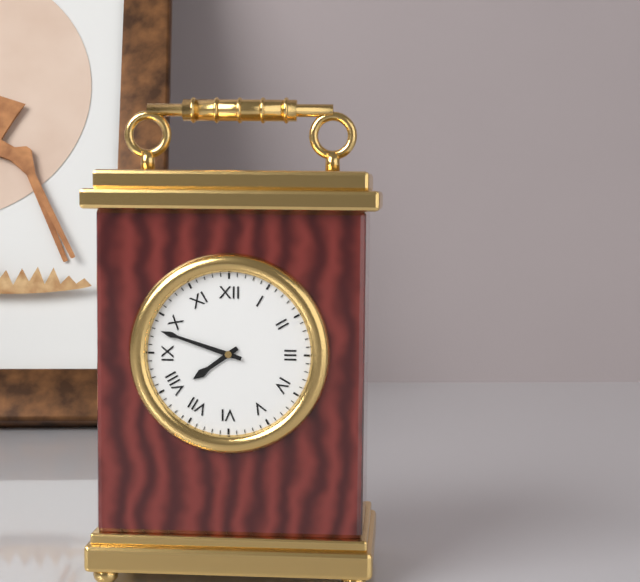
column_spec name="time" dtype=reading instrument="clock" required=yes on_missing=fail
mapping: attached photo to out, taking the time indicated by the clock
7:48
